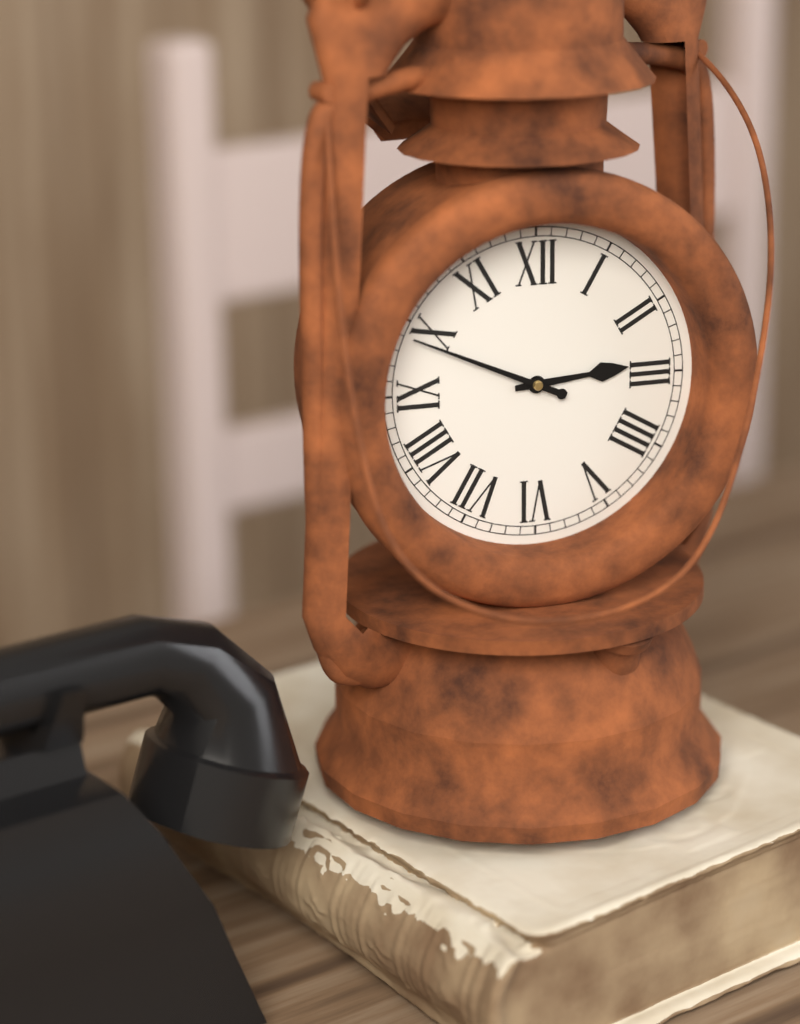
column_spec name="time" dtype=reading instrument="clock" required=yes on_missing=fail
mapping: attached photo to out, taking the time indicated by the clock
2:49
